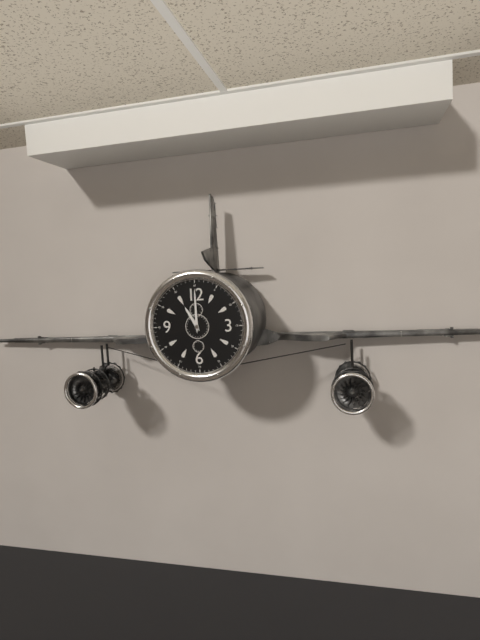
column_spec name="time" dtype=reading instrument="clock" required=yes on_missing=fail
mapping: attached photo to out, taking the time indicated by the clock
11:00
